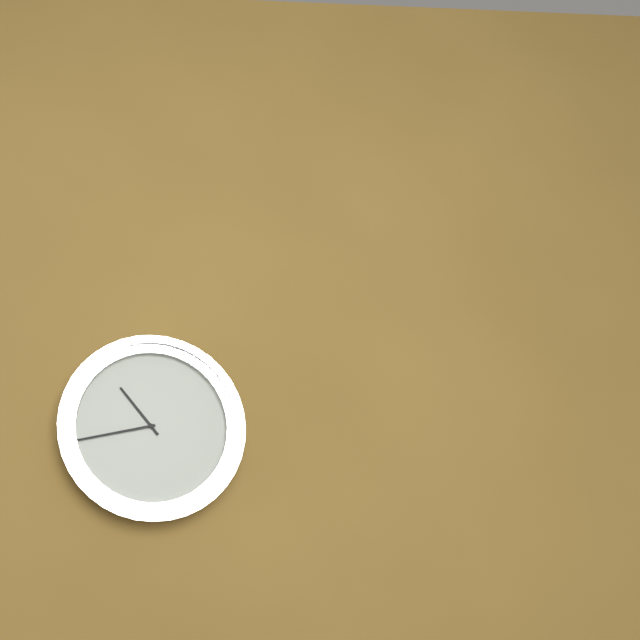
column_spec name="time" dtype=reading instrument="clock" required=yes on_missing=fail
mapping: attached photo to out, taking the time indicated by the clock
10:43
